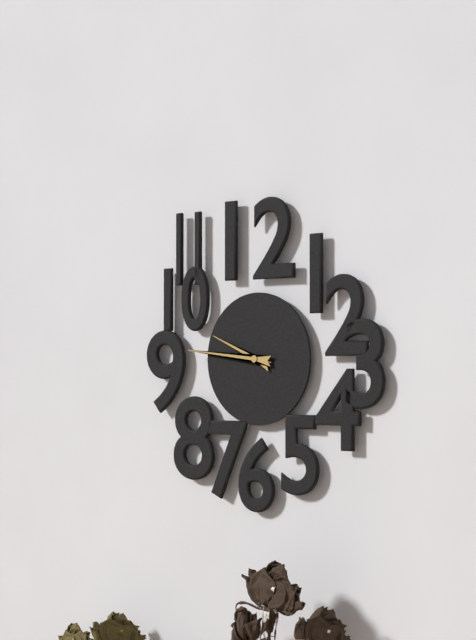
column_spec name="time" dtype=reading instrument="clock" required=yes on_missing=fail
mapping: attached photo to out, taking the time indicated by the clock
9:46
